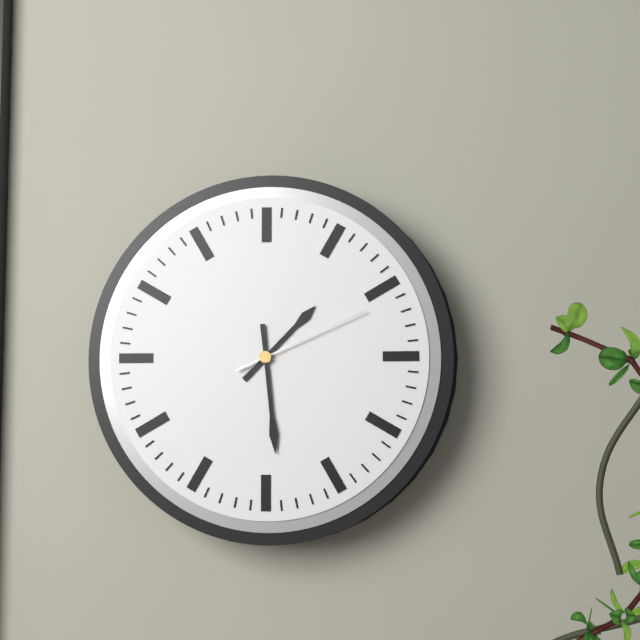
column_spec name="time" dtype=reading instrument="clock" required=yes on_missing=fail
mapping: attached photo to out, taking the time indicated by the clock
1:29:11
